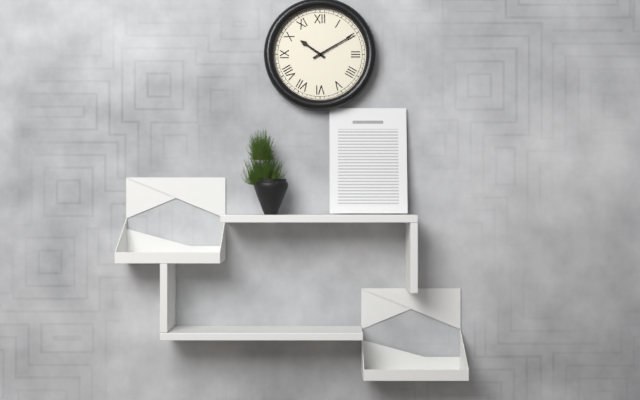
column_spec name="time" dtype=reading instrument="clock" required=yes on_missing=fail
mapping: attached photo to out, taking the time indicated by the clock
10:10
